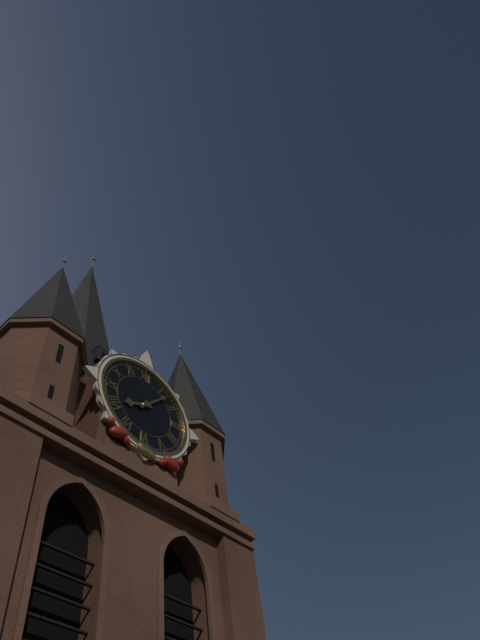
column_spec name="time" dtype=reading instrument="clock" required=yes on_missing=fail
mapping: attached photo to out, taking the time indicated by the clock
8:07
